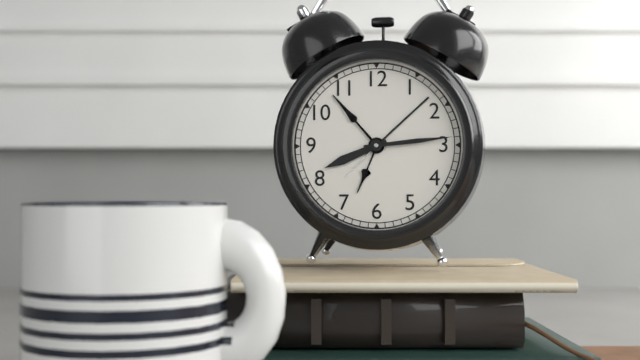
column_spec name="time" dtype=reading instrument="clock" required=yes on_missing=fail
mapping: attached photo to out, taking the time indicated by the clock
8:14
